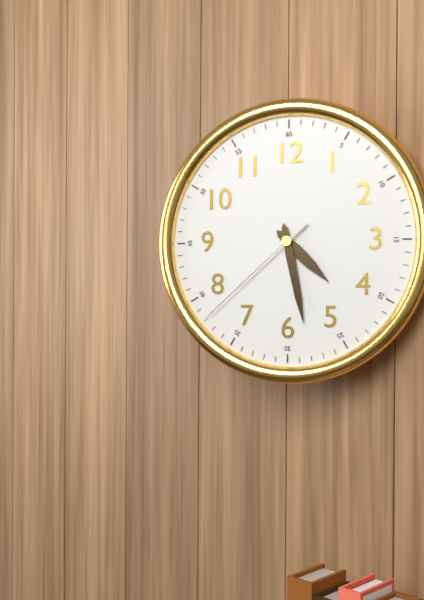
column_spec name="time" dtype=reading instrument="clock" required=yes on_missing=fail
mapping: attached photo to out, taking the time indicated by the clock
4:28:38
